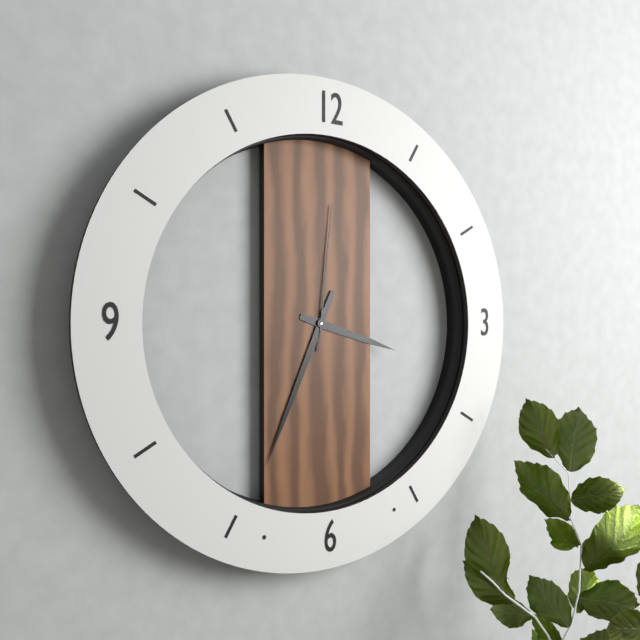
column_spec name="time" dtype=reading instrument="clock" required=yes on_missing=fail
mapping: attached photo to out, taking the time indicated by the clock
3:34:01
